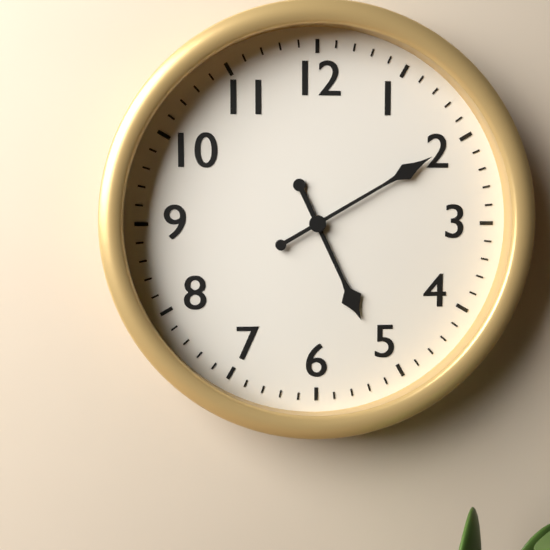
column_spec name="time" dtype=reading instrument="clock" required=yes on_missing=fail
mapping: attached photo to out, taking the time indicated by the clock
5:10
